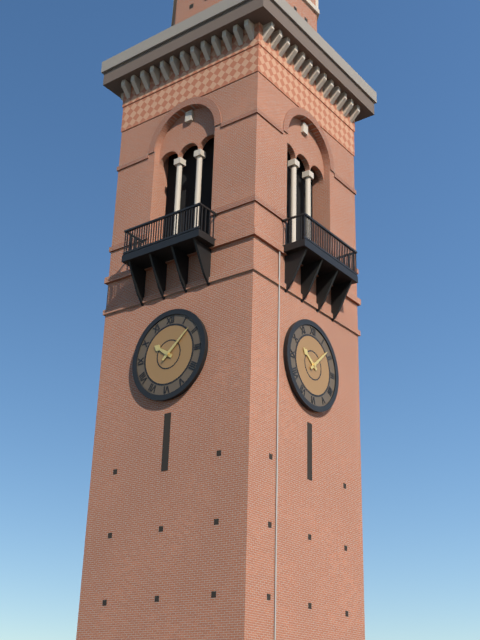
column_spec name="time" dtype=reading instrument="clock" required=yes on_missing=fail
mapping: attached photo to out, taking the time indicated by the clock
10:08
